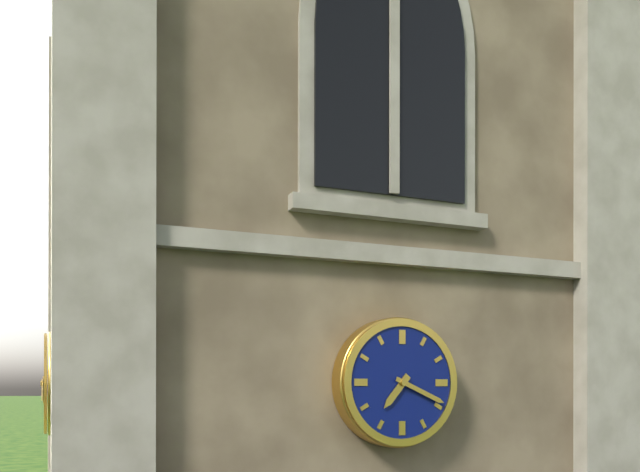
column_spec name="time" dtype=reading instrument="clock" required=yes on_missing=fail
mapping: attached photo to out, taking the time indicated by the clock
7:19
